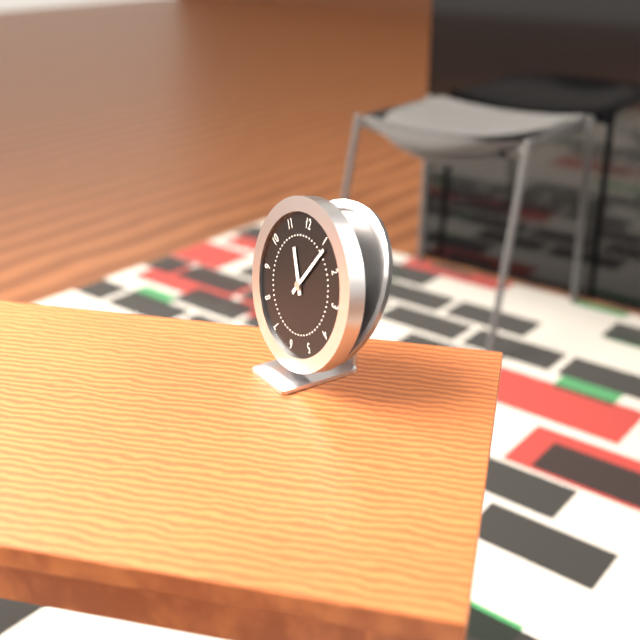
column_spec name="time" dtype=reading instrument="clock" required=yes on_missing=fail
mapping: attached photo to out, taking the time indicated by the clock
11:06
